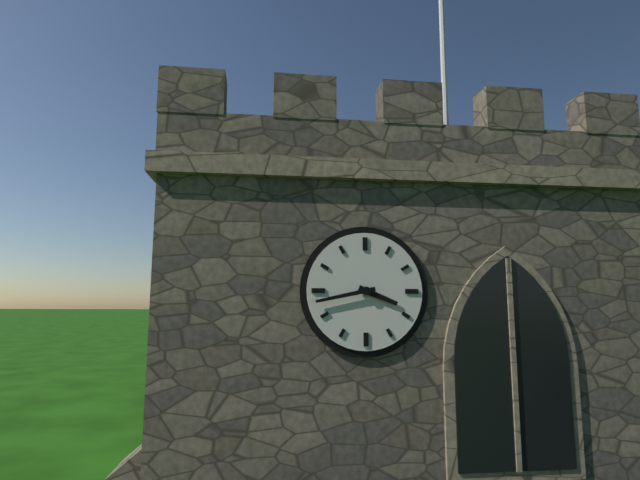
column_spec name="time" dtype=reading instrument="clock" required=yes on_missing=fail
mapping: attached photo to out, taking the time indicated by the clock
3:43
